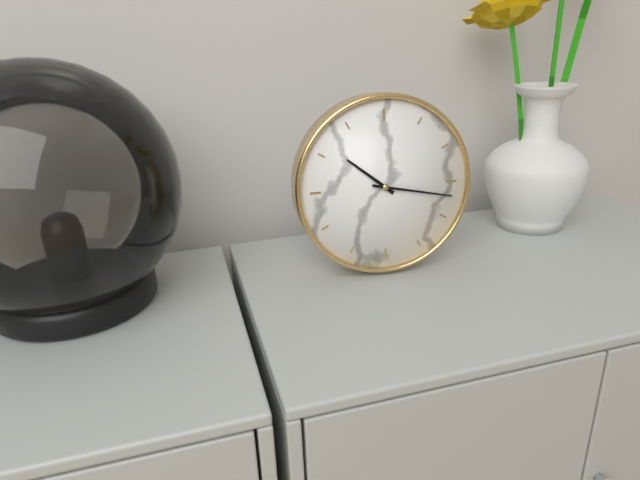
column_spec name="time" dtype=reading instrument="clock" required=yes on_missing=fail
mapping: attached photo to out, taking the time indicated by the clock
10:17
